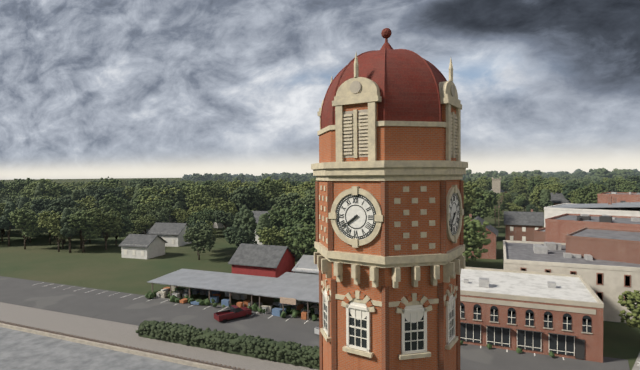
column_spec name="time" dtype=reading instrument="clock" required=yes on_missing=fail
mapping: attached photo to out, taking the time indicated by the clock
7:39
